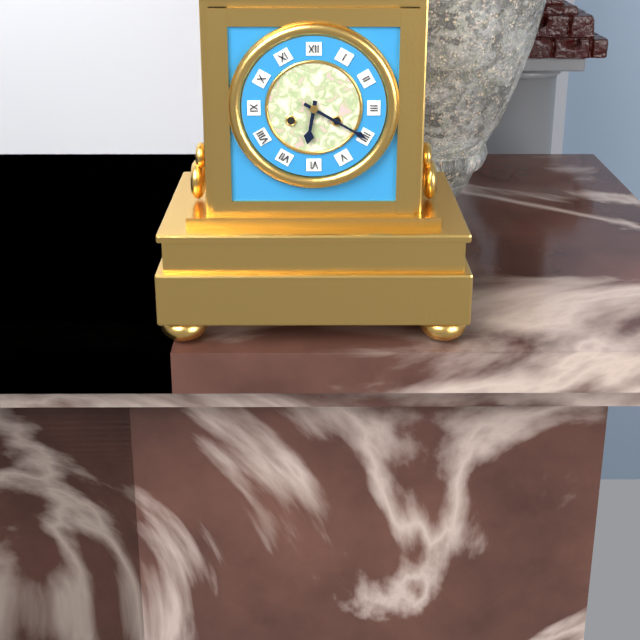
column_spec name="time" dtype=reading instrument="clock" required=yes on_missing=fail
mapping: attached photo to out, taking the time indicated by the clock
6:20
